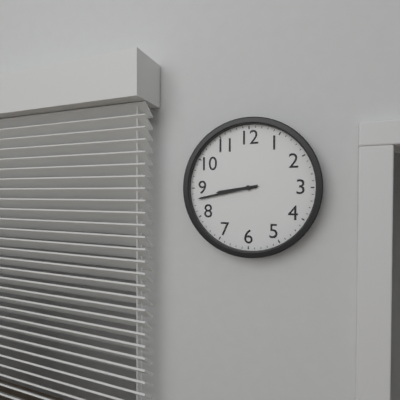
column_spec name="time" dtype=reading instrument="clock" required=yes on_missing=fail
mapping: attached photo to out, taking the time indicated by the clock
8:43
